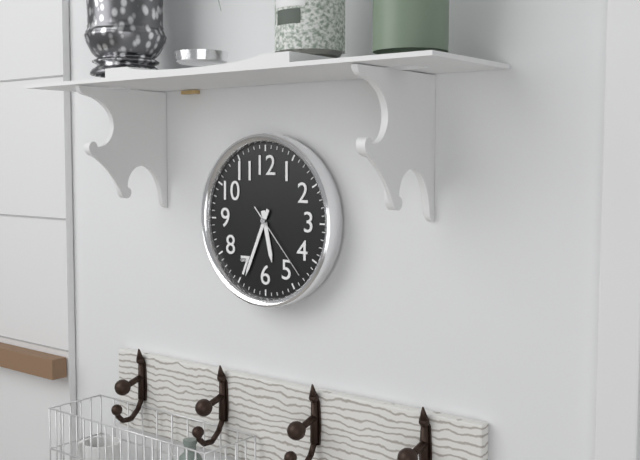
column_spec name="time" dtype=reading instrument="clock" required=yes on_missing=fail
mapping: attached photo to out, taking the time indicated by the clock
5:34:23
